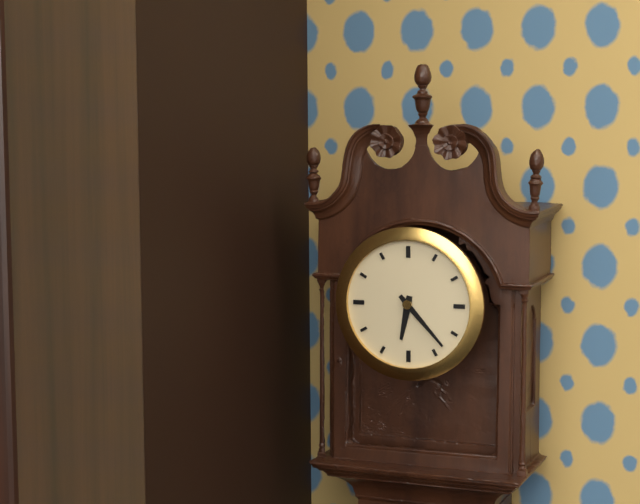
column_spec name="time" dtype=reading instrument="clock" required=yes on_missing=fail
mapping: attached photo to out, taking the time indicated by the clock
6:23
